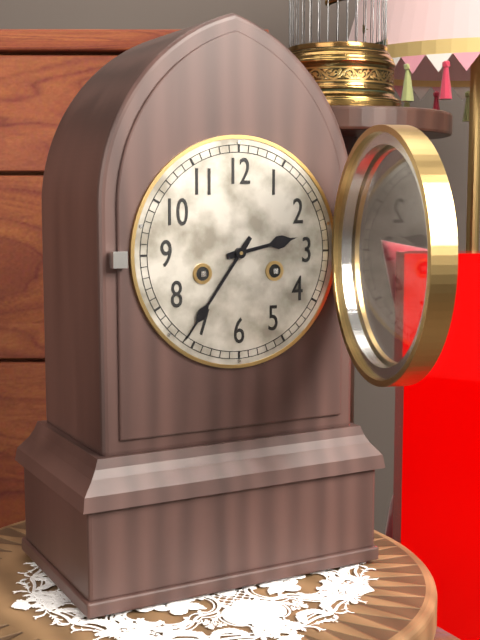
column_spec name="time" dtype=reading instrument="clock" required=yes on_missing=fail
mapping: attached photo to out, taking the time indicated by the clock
2:36
